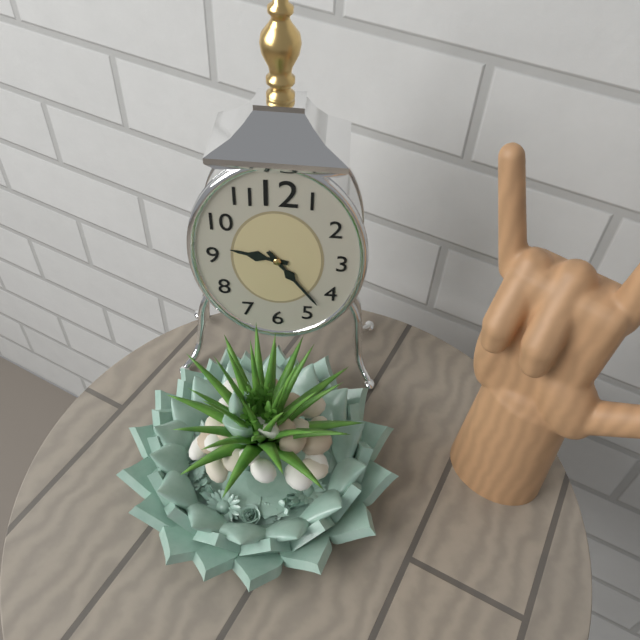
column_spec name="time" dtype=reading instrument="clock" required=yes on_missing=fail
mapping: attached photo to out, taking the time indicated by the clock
9:24
